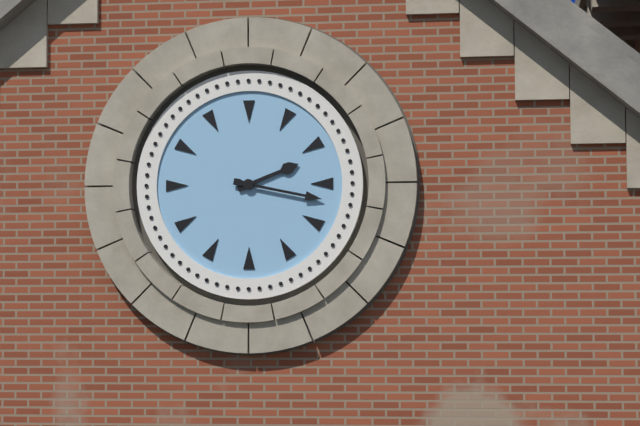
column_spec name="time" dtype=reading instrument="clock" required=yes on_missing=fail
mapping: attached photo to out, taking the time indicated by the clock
2:17
